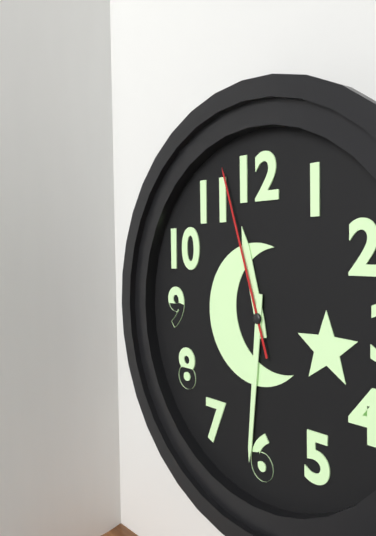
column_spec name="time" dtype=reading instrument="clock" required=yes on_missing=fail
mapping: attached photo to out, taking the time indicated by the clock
11:31:57
